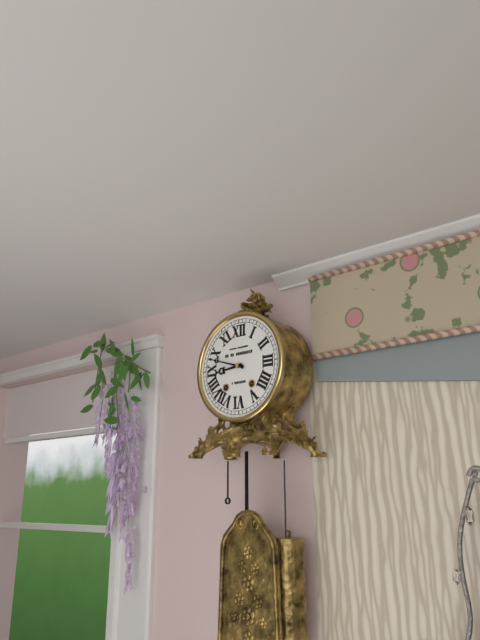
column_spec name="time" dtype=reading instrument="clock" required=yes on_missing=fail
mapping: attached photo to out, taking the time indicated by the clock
8:48
